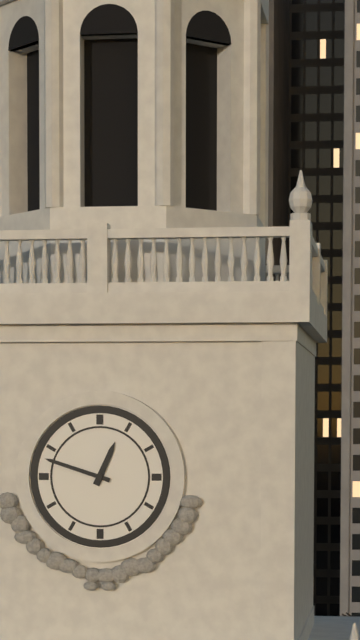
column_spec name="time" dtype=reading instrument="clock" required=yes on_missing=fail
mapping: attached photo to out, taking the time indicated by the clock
12:48
